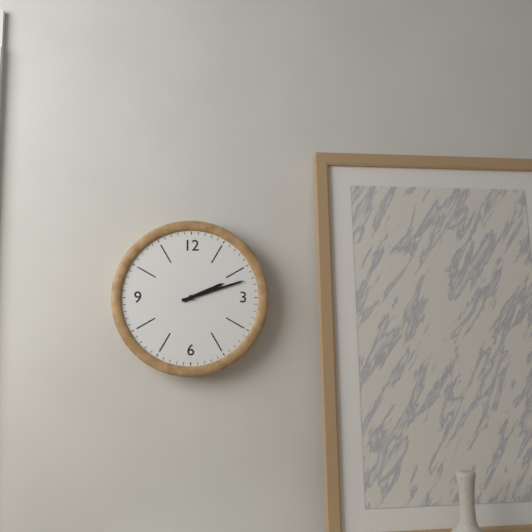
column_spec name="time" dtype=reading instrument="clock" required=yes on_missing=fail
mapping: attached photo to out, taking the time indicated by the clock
2:12
